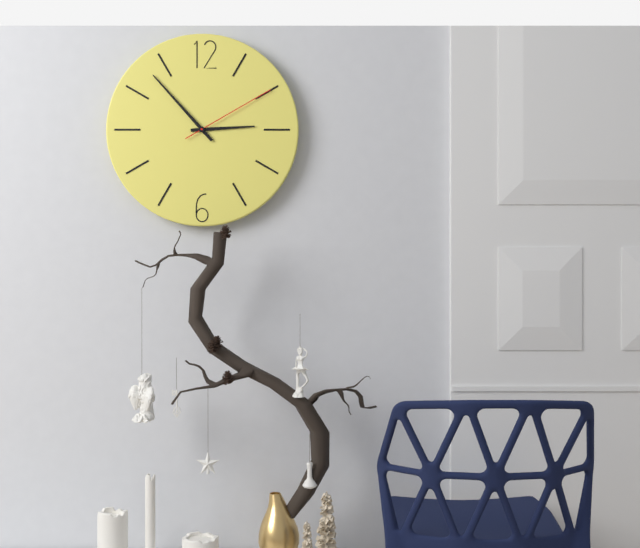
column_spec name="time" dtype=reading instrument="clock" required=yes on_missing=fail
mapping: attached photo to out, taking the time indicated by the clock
2:53:10
